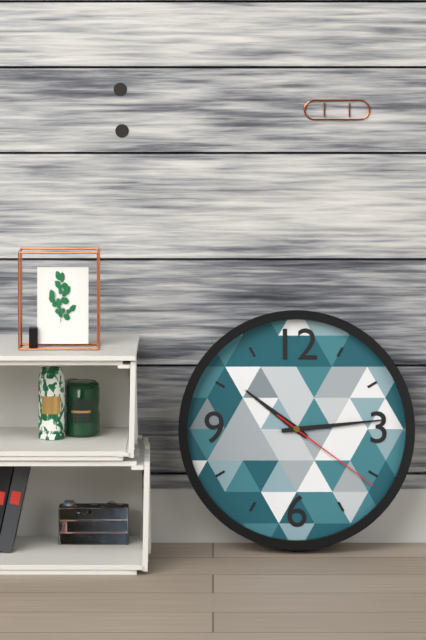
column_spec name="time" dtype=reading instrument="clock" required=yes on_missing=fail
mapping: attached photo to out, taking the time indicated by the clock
10:14:21
